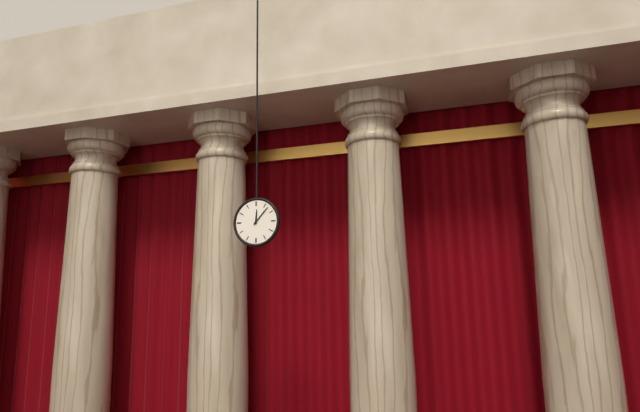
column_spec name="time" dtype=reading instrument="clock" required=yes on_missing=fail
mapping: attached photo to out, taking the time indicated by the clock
12:07
